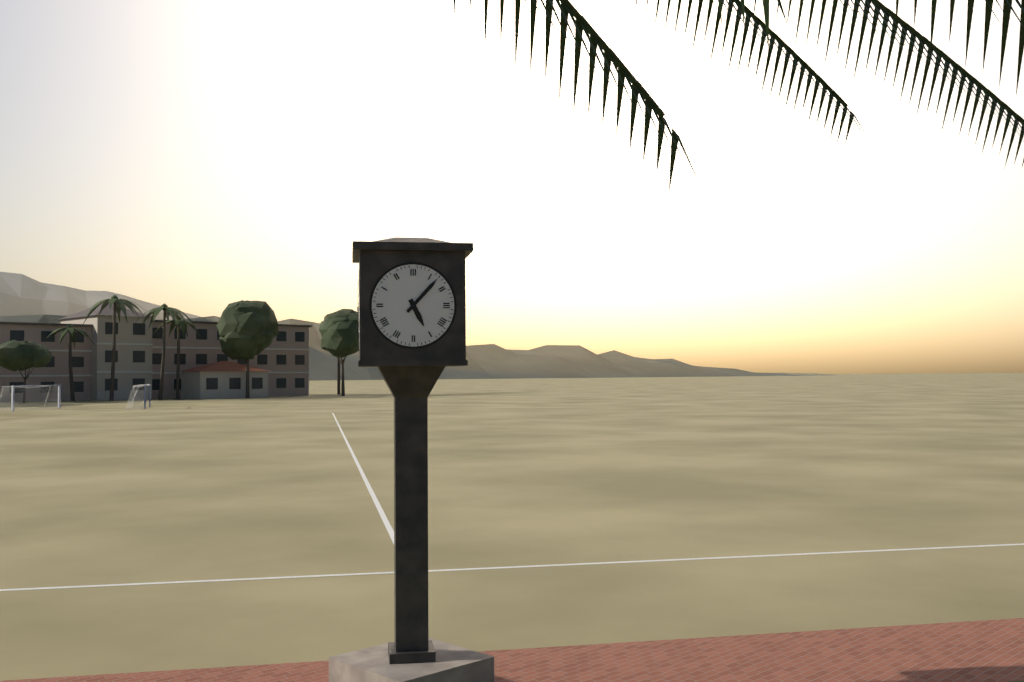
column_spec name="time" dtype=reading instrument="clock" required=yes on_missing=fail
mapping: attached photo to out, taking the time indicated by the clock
5:07
